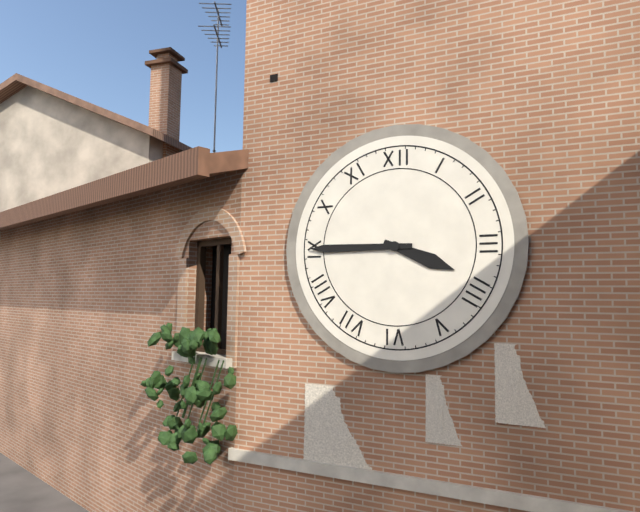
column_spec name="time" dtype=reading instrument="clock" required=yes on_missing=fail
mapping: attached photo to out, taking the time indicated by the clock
3:45
